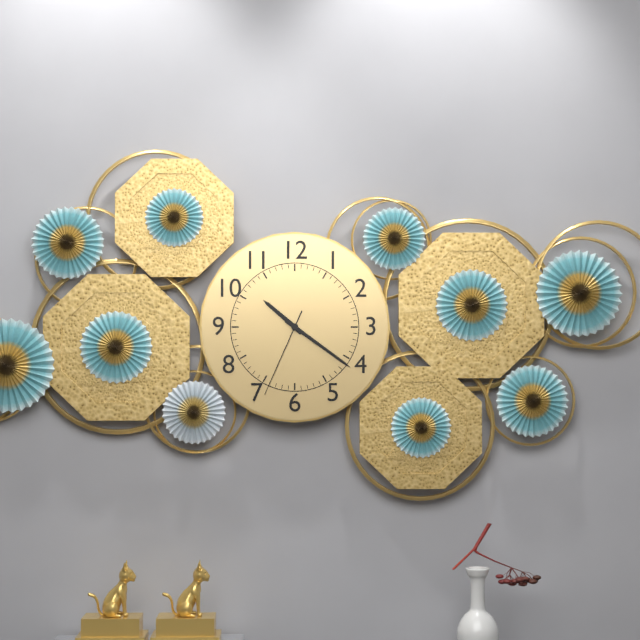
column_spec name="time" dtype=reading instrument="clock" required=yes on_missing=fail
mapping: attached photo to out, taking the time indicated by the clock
10:21:34
